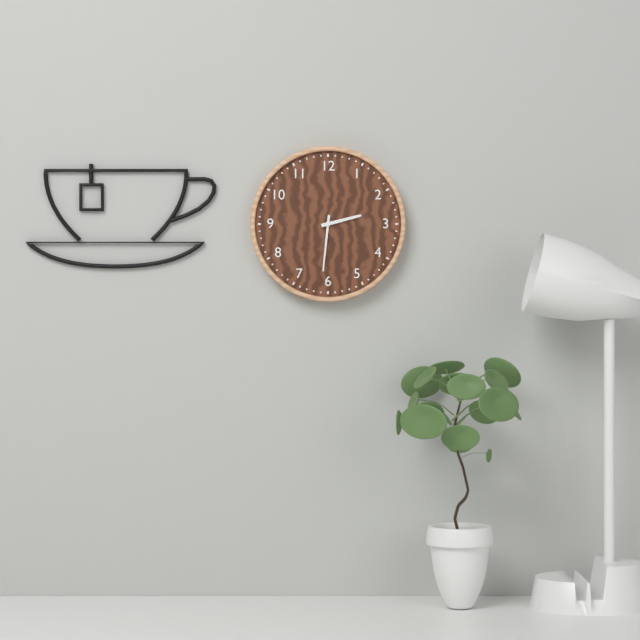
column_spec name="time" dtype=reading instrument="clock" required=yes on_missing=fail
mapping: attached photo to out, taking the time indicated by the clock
2:31
